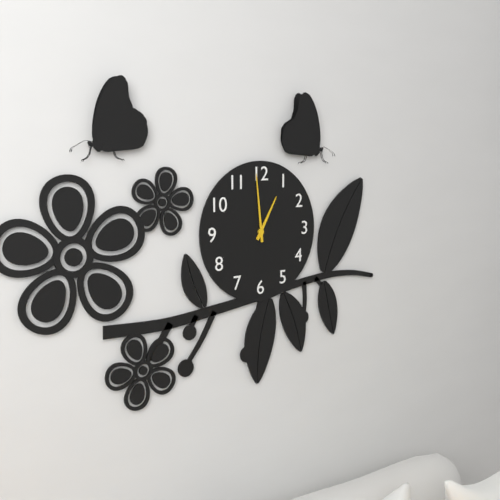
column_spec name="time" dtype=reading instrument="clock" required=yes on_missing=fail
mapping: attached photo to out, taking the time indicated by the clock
12:59
